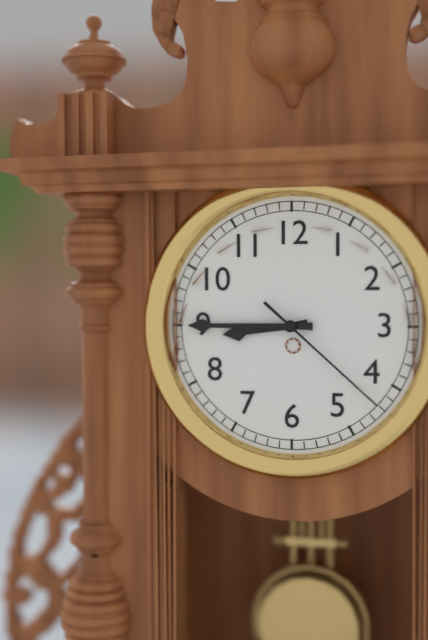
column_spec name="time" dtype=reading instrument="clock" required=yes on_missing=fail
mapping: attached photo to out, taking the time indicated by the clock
8:45:22
